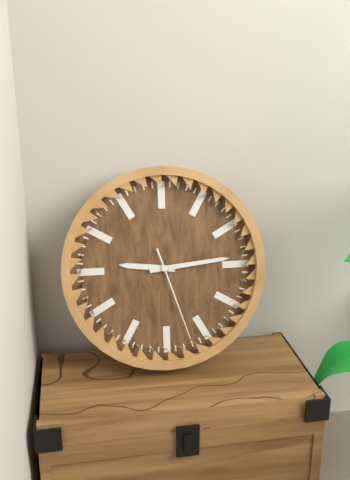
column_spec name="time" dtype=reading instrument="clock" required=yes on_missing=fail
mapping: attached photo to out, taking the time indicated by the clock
9:14:27
